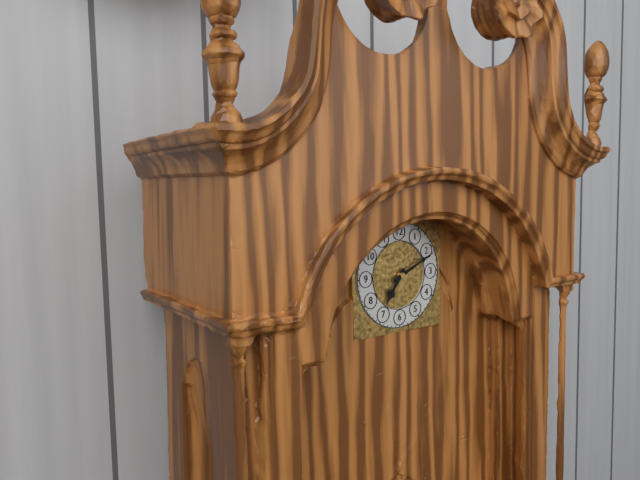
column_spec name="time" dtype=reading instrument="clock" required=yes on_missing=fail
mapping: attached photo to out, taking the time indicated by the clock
7:11
